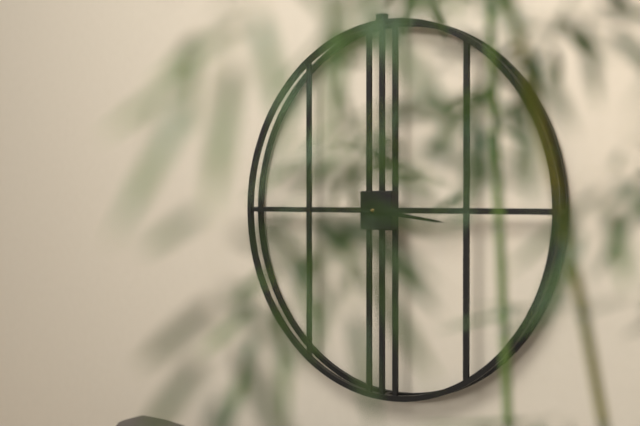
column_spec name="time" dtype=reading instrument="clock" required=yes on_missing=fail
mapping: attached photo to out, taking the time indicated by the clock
3:15
